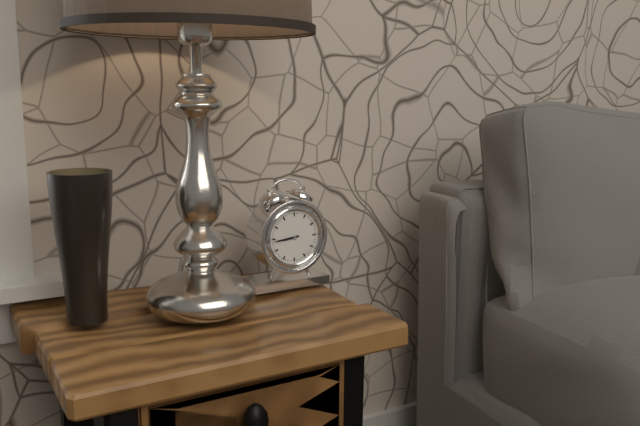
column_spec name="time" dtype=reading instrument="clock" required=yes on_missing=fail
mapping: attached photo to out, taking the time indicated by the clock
8:44
